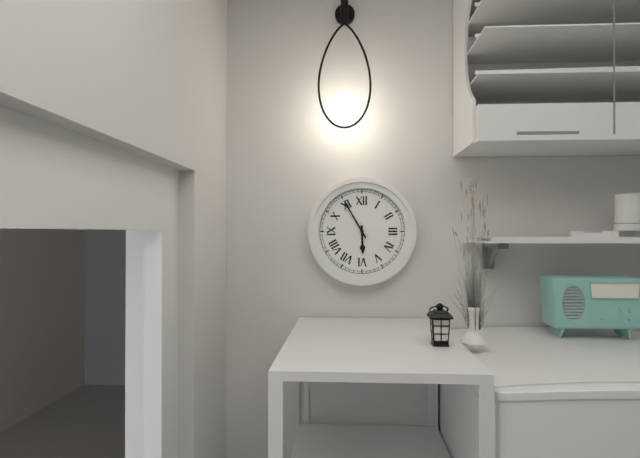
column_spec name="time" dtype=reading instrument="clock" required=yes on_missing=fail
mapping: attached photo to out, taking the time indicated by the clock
5:55
